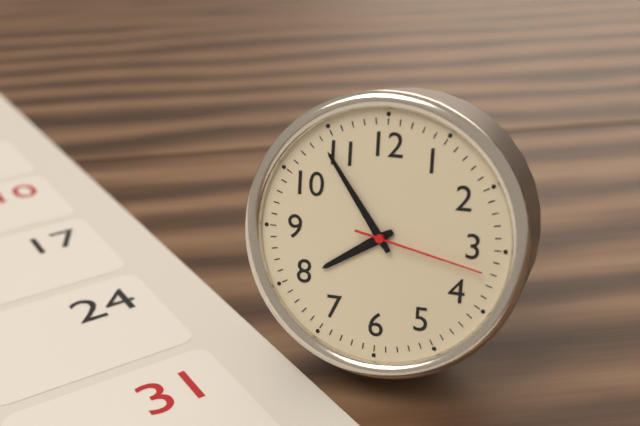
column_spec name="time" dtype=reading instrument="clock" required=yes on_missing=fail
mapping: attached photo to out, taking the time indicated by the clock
7:54:17
